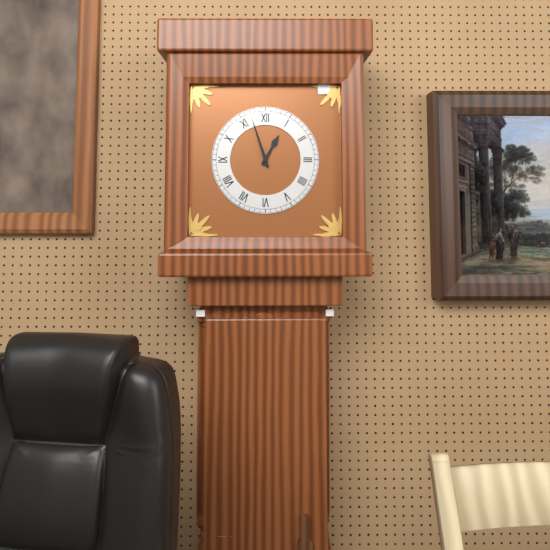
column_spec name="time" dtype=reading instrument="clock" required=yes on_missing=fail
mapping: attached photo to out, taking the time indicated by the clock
12:57
